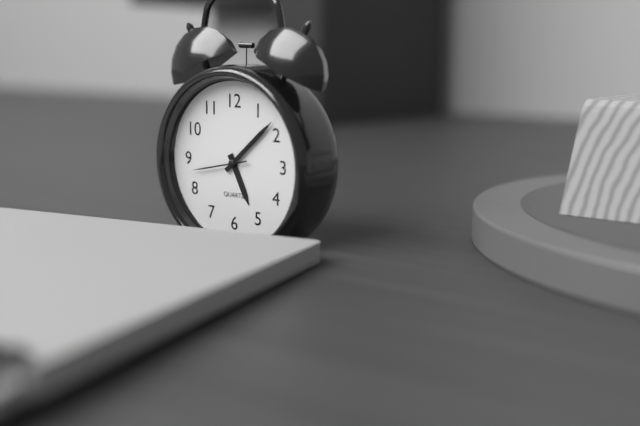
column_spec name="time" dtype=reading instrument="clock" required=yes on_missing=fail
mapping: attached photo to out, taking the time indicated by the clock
5:08:43
